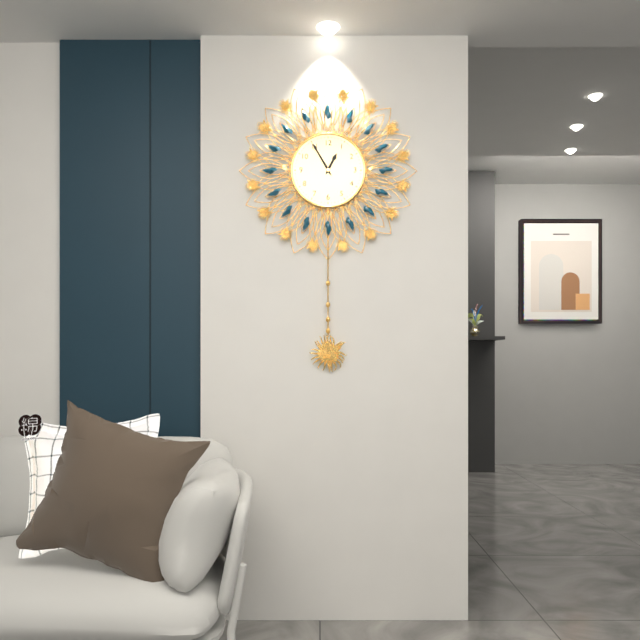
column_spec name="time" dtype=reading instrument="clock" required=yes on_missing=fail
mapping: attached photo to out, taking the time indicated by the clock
12:55
